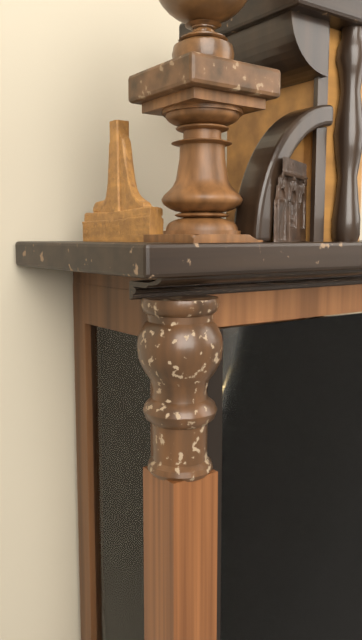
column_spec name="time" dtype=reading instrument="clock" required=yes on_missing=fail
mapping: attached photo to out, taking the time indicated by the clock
8:28
